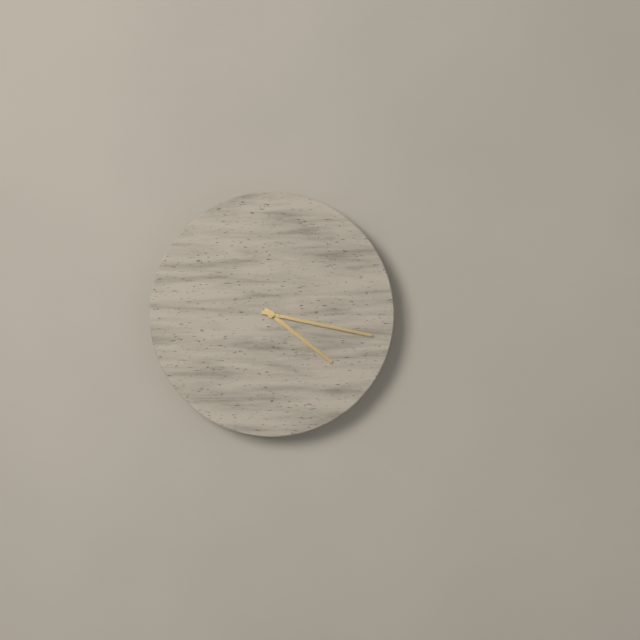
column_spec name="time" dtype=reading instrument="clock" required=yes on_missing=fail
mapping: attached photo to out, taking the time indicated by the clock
4:17
